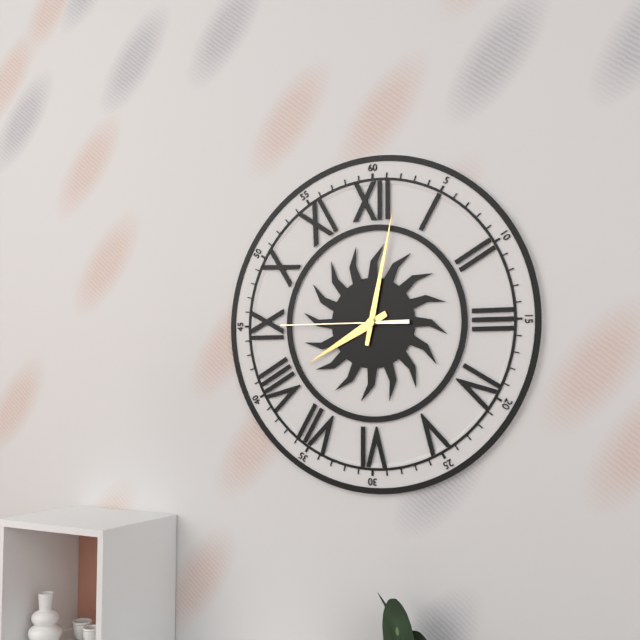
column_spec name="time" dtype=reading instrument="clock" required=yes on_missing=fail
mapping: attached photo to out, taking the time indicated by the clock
8:02:45
